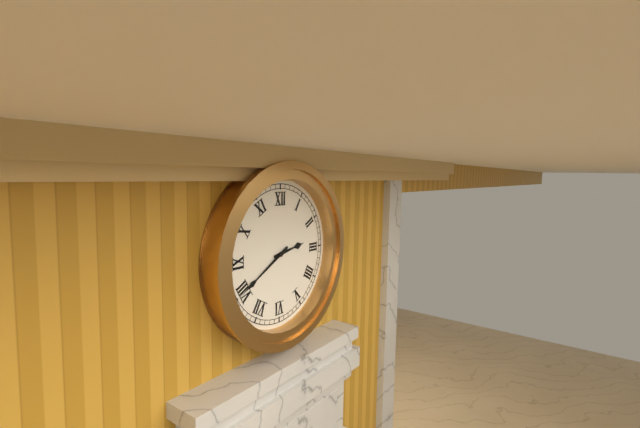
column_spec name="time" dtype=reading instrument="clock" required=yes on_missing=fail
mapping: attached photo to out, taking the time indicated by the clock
2:40
